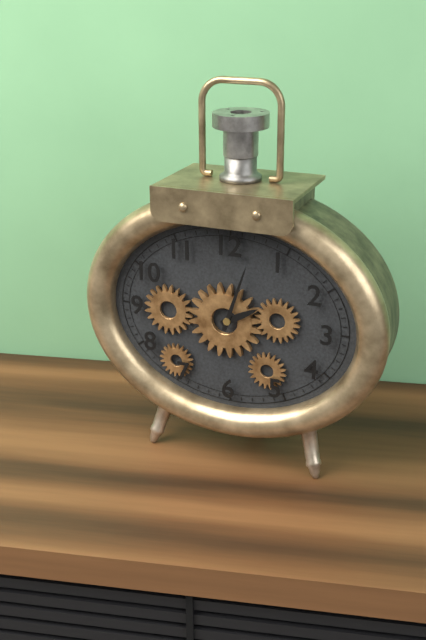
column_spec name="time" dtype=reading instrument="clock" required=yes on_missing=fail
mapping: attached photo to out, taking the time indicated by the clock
2:03
